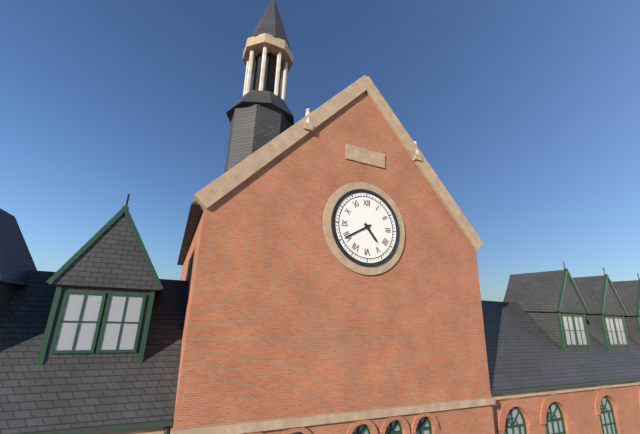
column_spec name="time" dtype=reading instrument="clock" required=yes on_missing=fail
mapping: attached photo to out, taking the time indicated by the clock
4:40
